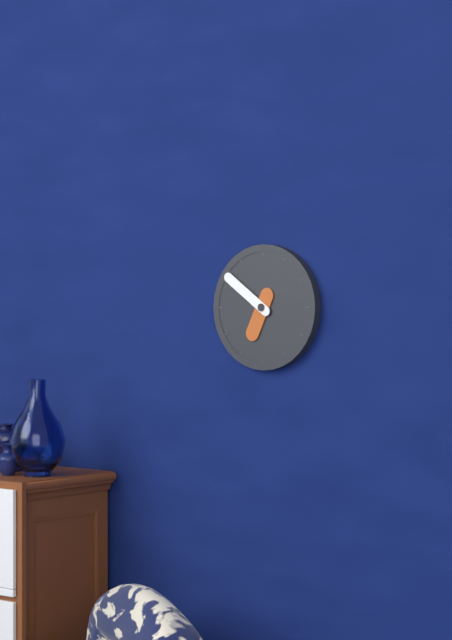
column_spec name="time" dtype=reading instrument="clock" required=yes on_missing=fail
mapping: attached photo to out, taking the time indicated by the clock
6:51
